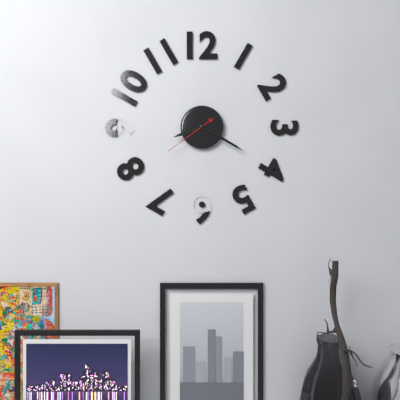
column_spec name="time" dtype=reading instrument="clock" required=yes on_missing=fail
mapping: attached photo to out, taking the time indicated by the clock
8:20:39
